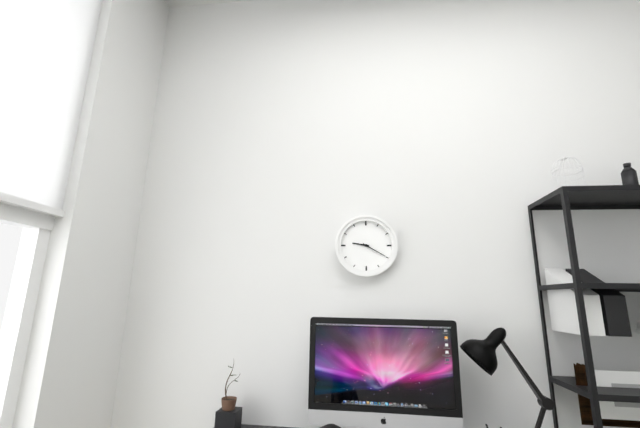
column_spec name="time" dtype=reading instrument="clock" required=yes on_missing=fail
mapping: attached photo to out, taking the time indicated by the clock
9:20
